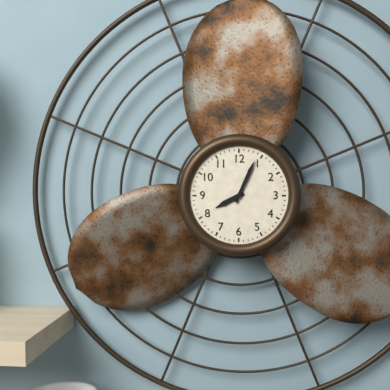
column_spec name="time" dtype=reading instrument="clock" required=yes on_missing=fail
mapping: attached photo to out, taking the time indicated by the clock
8:04
